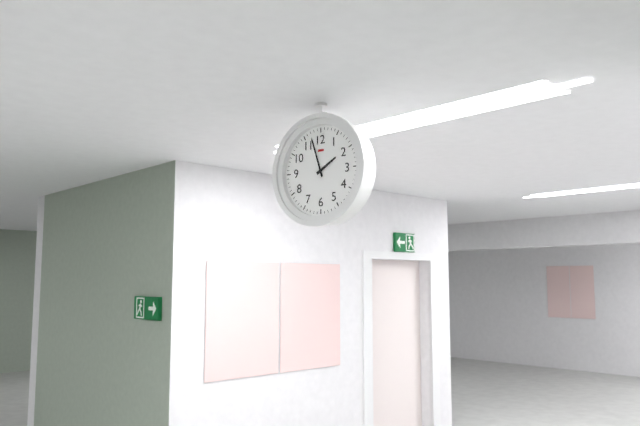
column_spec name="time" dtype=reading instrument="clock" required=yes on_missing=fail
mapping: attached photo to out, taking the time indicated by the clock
1:57
